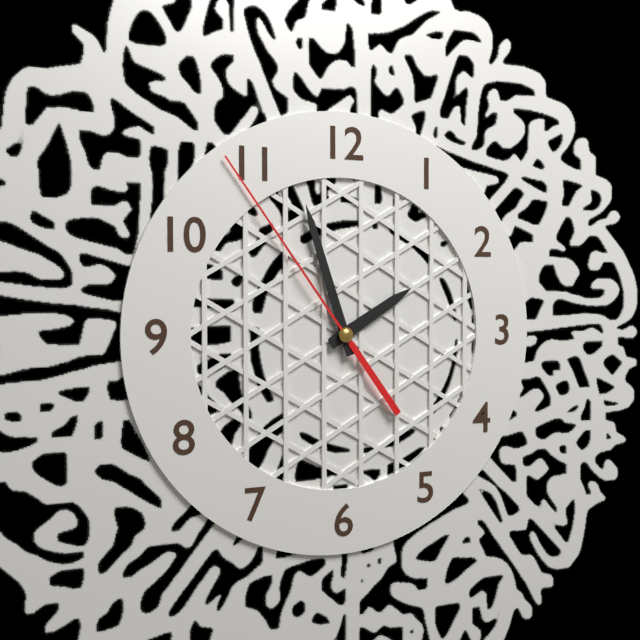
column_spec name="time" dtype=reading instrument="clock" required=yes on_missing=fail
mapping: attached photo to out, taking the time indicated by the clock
1:57:54
